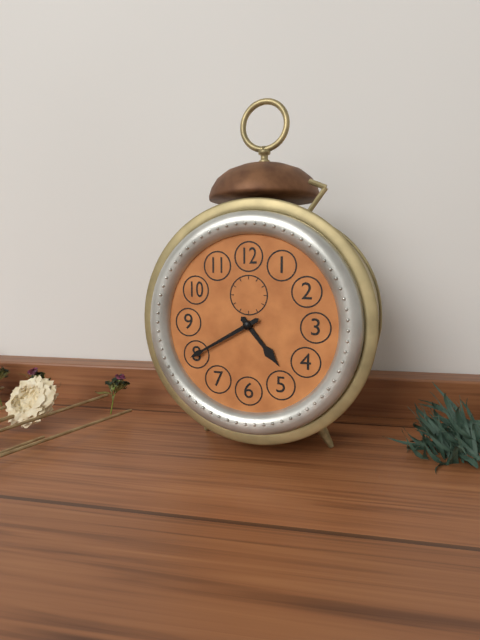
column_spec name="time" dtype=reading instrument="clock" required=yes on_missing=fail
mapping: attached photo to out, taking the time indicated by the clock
4:40
